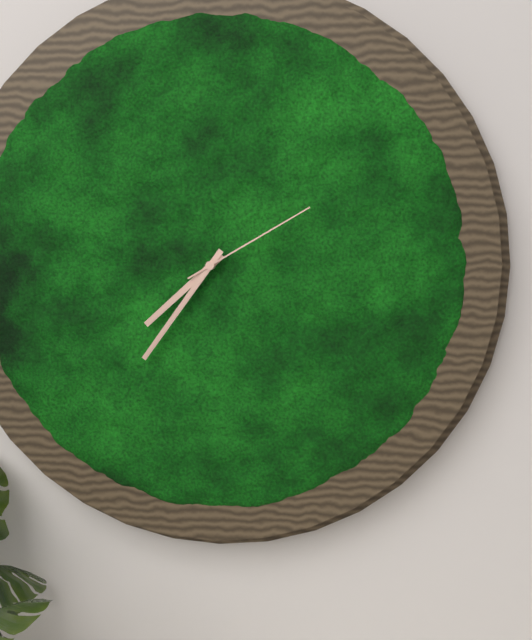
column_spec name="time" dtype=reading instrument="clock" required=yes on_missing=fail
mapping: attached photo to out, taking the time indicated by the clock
7:36:10
